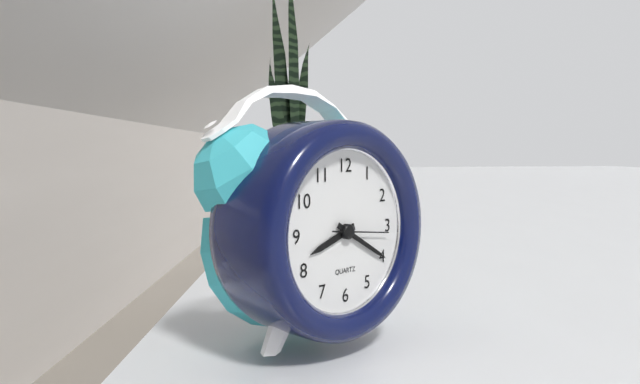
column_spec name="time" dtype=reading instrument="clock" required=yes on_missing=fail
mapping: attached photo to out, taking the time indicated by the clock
8:20:16
